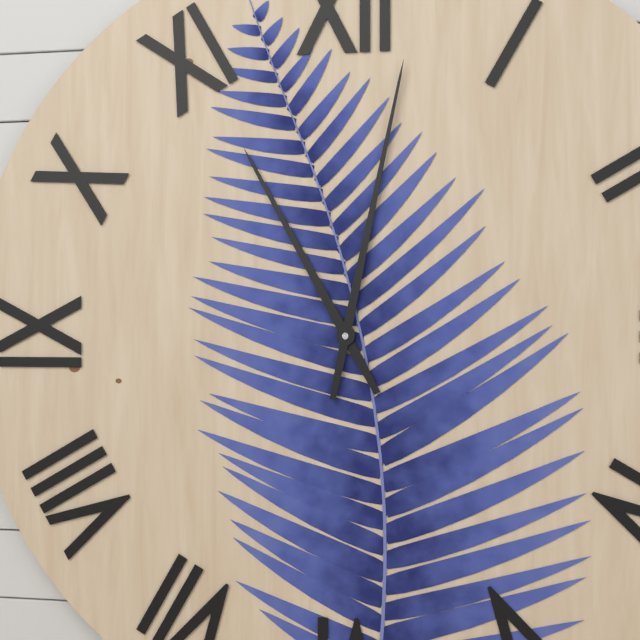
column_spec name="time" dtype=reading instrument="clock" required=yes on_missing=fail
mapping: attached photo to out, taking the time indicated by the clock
11:02
